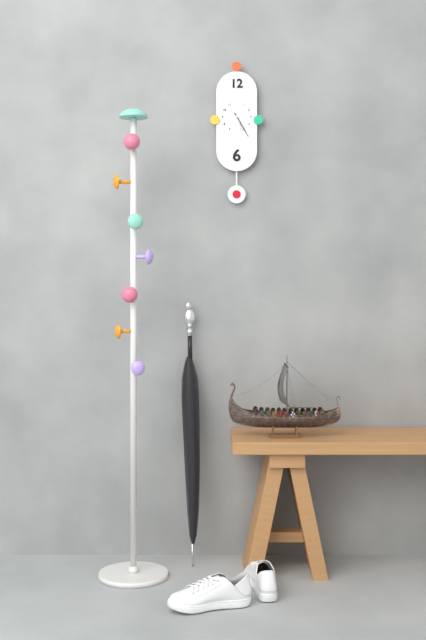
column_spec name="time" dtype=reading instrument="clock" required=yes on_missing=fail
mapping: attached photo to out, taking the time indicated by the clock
5:25
